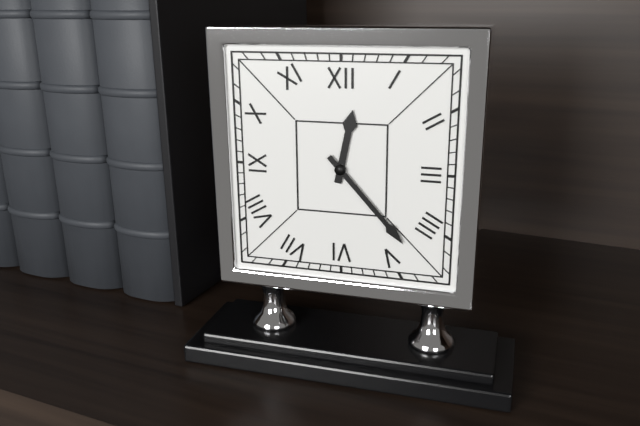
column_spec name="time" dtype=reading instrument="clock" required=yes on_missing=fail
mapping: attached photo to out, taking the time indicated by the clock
12:23
